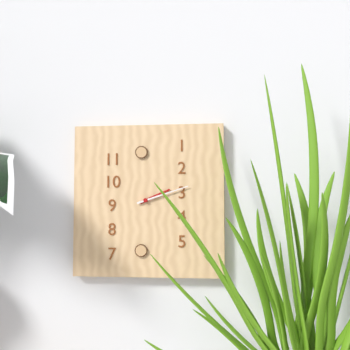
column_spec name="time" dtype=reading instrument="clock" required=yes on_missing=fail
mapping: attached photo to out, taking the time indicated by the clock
2:12
